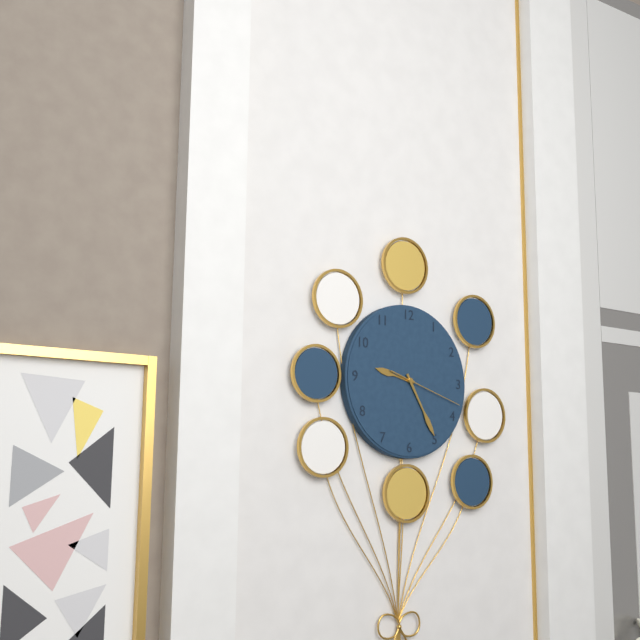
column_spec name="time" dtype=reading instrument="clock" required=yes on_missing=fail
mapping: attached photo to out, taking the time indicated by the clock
9:25:18
